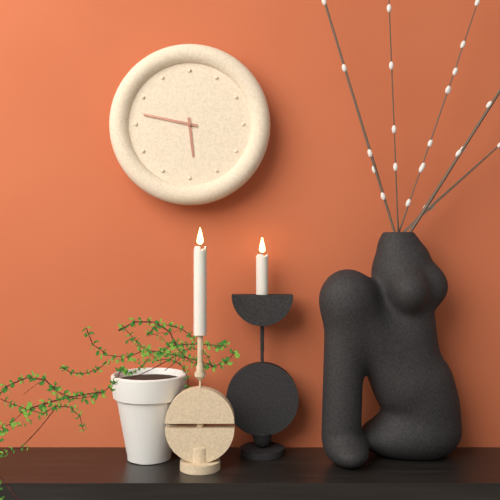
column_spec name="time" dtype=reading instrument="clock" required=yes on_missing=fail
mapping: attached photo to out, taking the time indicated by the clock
5:47
